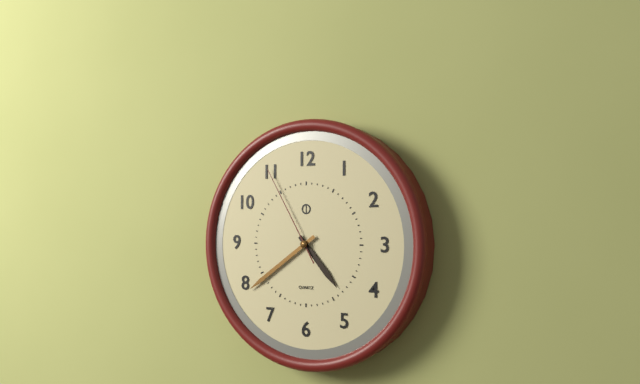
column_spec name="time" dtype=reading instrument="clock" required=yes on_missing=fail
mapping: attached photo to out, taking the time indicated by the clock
4:39:55
